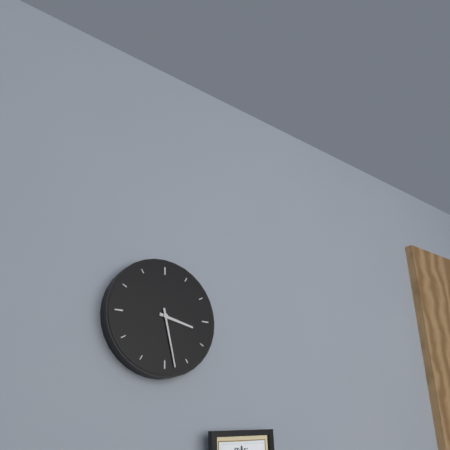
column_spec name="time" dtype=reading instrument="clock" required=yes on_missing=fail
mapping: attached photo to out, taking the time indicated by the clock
3:28
